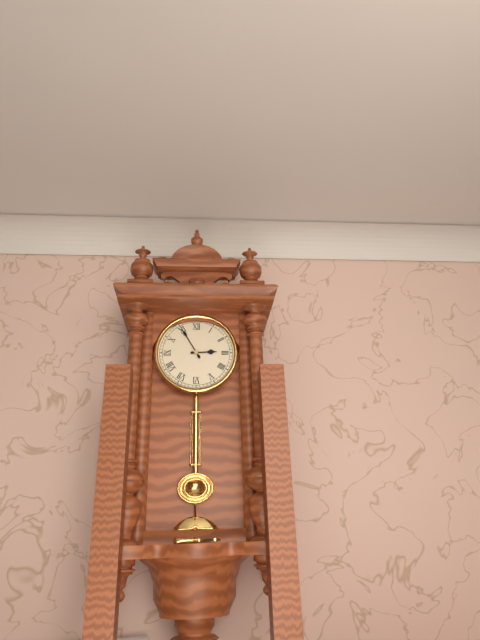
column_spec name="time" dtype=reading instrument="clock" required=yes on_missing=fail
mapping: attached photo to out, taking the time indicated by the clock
2:55
